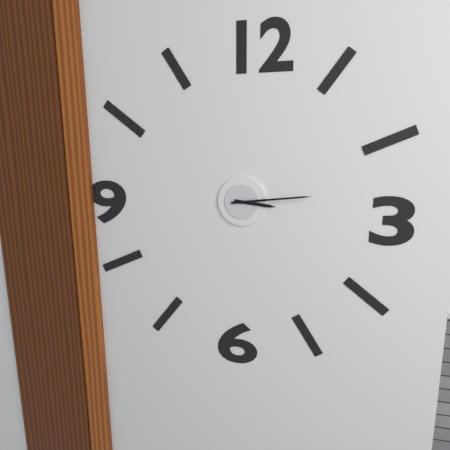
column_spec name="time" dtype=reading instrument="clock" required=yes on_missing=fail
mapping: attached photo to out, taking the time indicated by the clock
3:14
